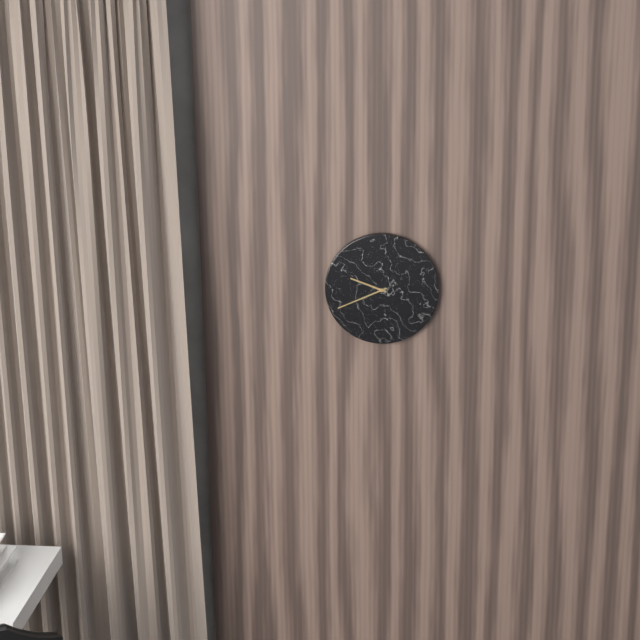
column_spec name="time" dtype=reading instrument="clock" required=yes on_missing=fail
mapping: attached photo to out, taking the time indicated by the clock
9:41
